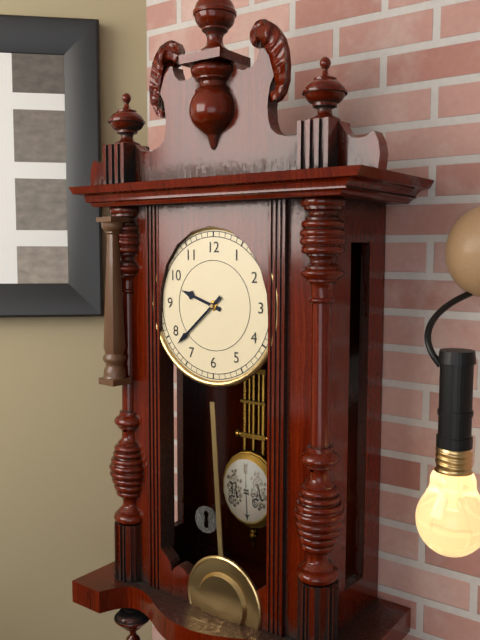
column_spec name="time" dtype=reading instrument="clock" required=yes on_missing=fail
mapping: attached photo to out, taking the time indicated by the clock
9:38
